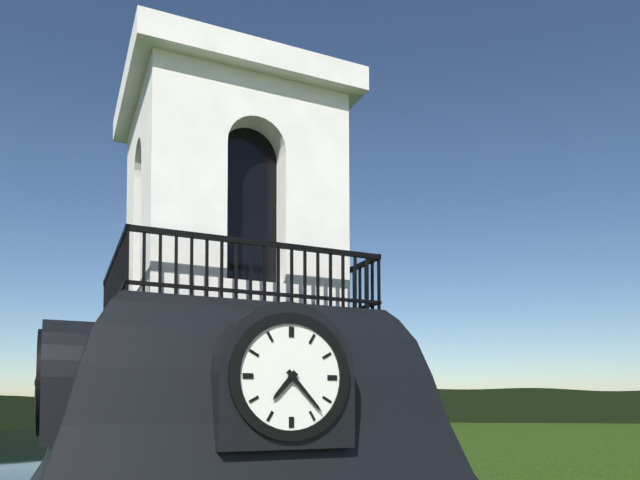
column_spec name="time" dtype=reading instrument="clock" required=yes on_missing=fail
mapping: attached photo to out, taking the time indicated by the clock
7:23
